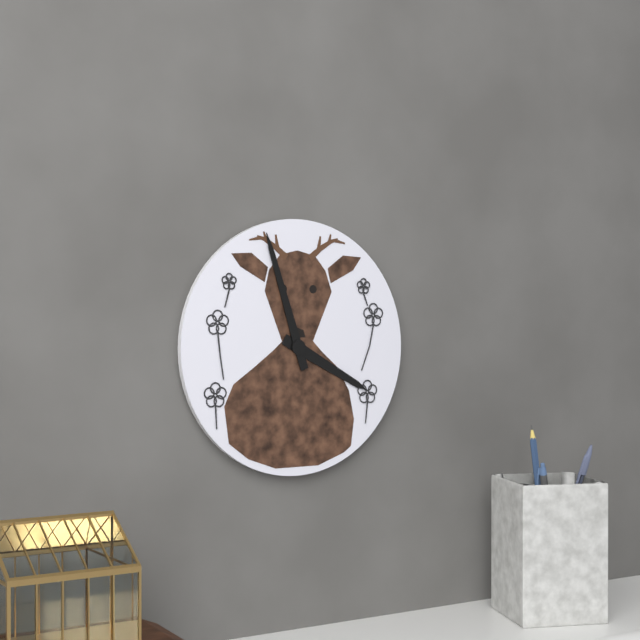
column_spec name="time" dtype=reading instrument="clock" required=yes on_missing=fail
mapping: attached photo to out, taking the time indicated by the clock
3:57
